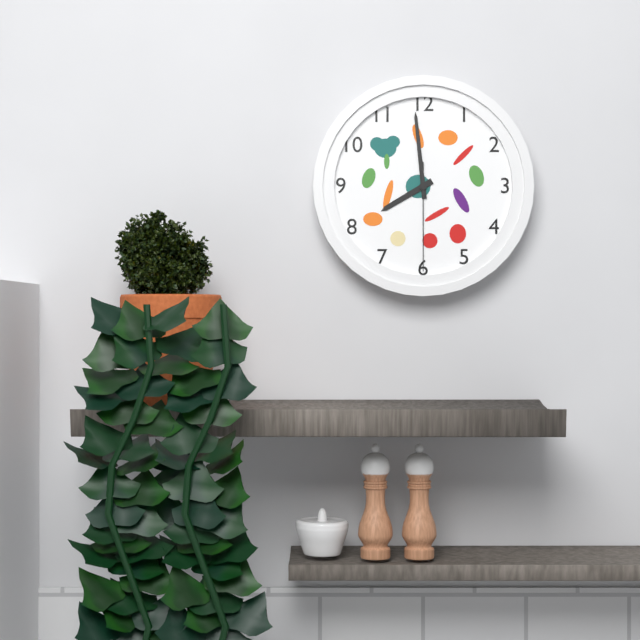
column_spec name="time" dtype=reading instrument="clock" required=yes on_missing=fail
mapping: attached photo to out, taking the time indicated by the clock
7:59:30
